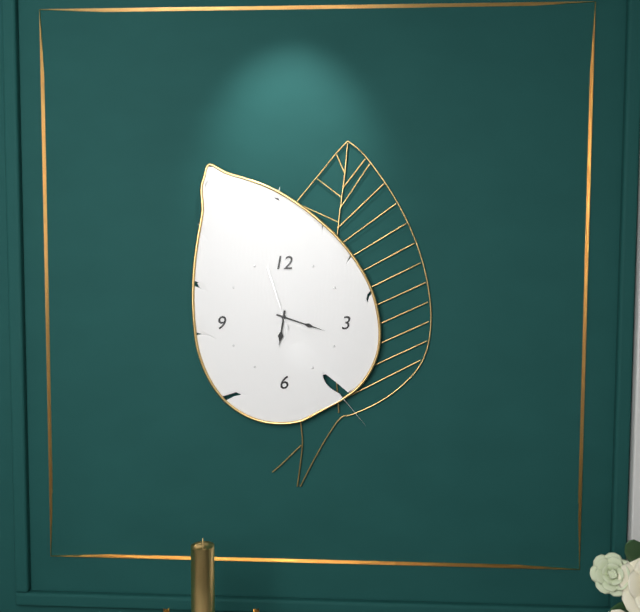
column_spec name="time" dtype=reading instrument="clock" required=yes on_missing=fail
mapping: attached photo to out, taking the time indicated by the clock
6:18:57
